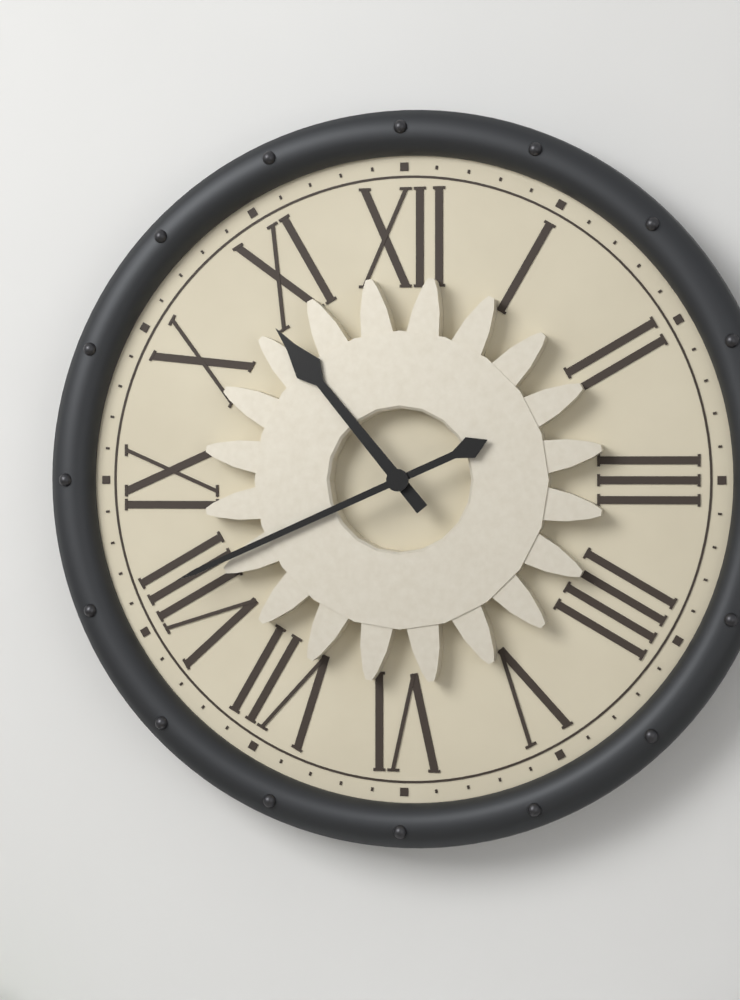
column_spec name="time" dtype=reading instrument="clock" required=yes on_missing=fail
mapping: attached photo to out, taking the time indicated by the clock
10:41
